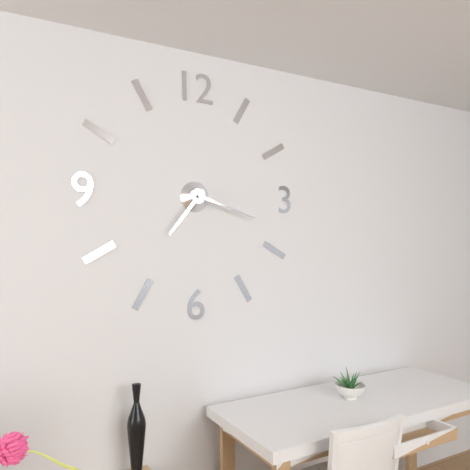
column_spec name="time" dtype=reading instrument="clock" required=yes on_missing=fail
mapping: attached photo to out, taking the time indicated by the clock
7:18
